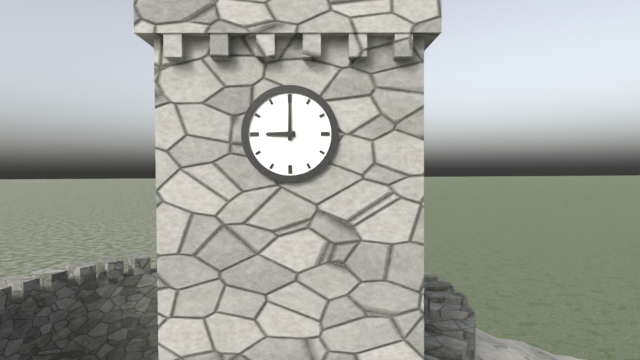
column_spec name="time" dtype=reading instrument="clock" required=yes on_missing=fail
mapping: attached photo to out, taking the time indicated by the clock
9:00
